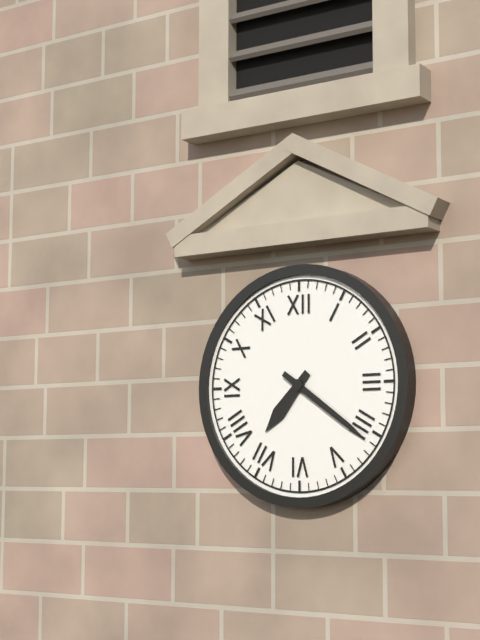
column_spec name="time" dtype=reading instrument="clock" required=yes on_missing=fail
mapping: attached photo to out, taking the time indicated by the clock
7:21
